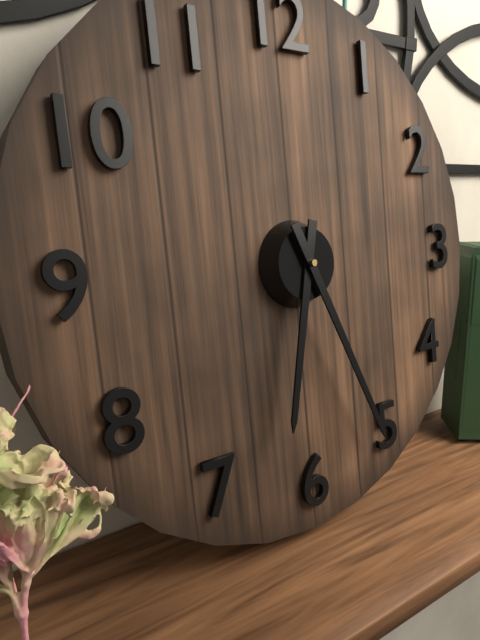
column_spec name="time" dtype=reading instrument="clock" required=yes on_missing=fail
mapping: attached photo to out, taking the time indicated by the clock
6:26
